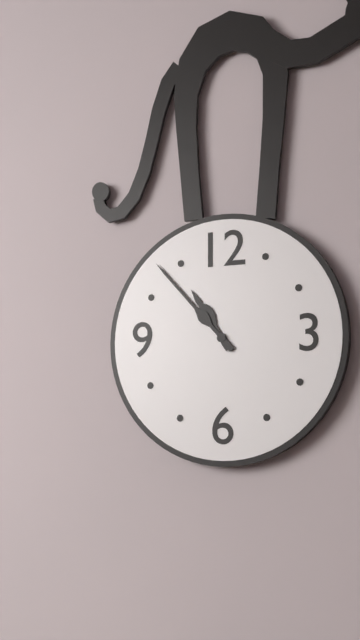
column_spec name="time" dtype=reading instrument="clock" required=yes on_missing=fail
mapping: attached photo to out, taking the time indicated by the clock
10:53
